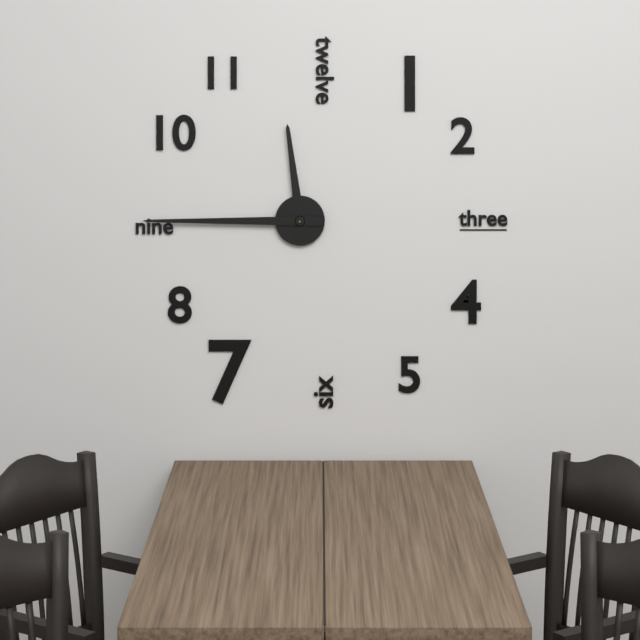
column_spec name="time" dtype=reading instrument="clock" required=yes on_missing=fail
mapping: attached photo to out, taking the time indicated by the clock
11:45
